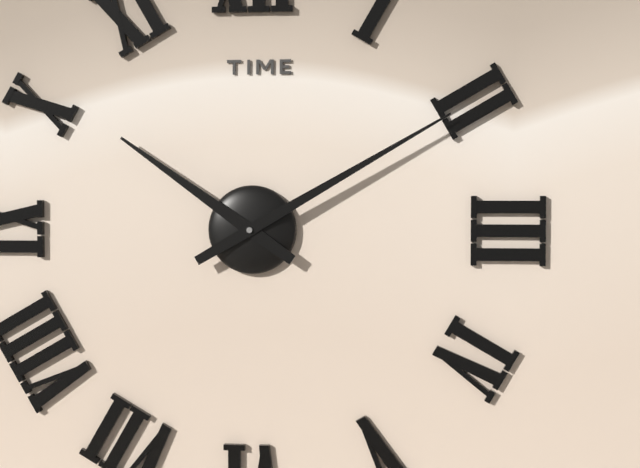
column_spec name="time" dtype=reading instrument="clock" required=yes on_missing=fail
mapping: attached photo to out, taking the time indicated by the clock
10:10
